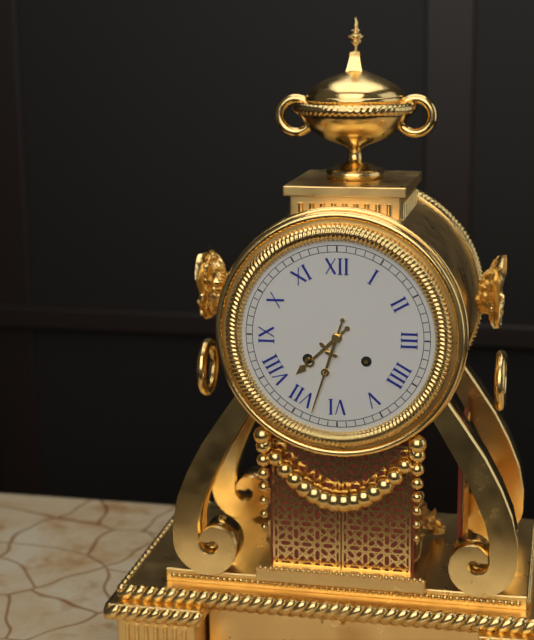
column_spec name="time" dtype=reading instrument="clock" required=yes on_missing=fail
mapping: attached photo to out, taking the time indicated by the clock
7:33
